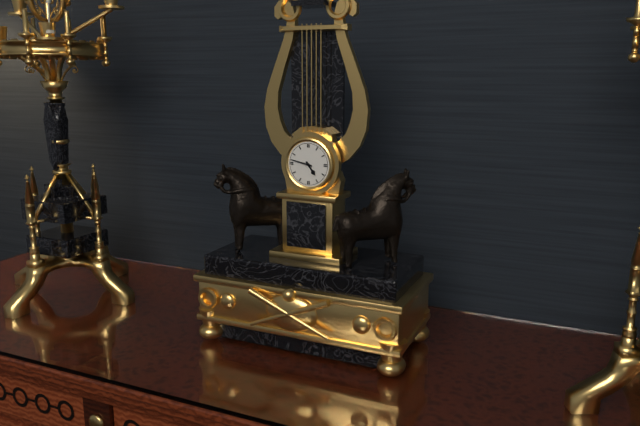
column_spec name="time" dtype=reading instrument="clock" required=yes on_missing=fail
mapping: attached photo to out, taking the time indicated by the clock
4:47
